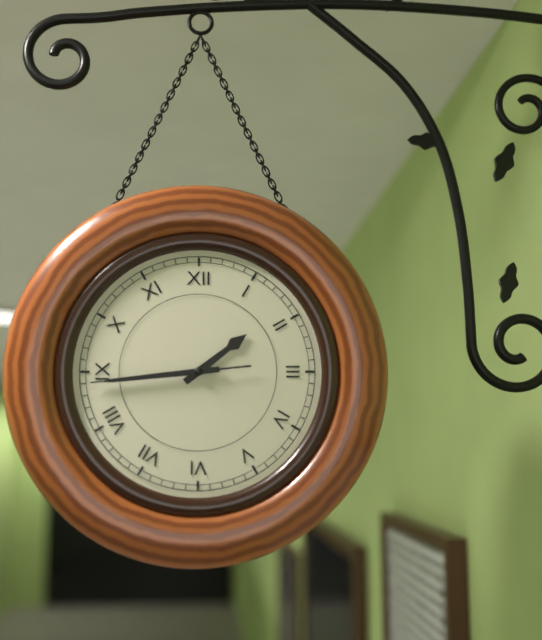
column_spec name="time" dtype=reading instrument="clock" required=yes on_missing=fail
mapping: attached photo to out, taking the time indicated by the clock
1:44:44
